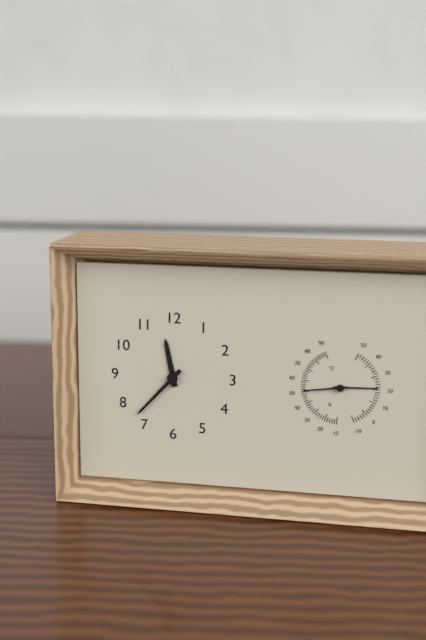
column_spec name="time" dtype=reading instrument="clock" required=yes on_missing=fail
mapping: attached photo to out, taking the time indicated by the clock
11:37
